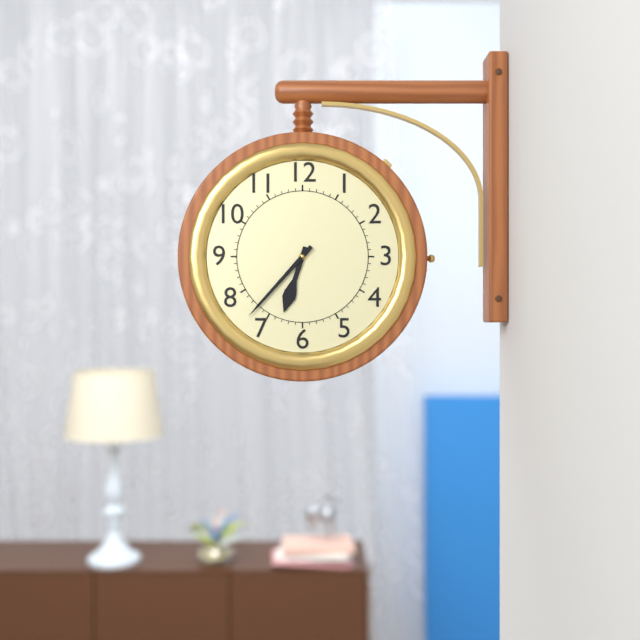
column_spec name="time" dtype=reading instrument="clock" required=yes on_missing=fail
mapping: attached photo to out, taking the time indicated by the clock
6:37
